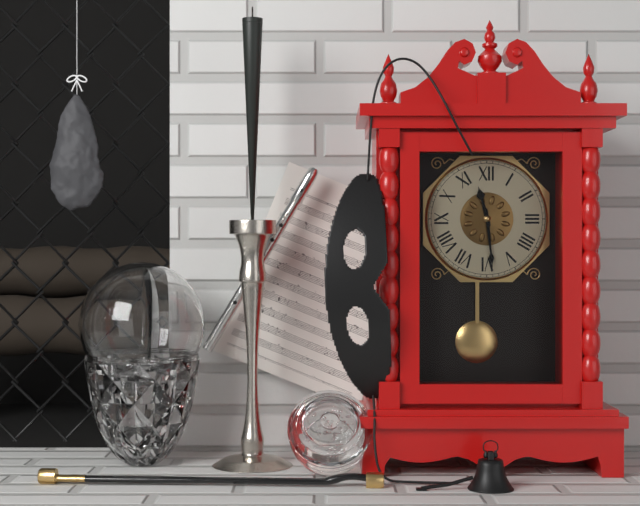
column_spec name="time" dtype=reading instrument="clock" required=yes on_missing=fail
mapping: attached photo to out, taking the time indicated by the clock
11:29
